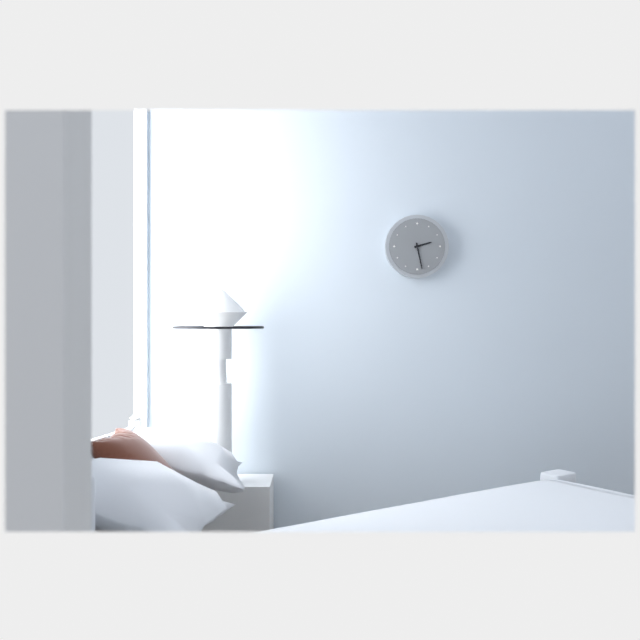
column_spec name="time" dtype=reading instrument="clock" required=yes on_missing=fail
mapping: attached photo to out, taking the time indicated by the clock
2:28
